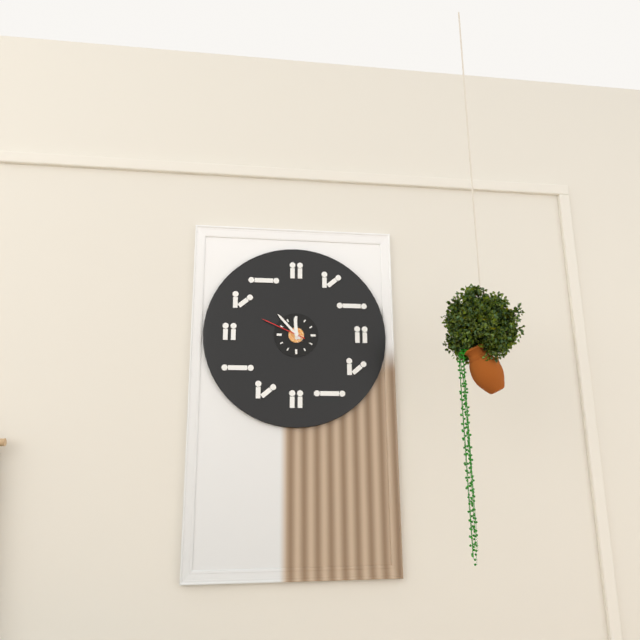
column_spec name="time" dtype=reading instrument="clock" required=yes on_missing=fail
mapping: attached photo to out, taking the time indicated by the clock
11:53
